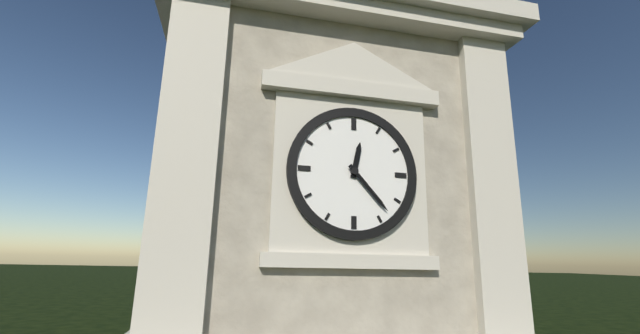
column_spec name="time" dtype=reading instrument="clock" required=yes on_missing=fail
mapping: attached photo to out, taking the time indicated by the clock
12:23
